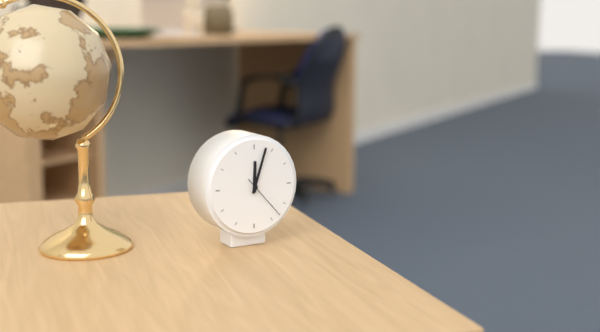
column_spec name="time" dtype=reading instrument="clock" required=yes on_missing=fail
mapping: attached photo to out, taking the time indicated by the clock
12:03
